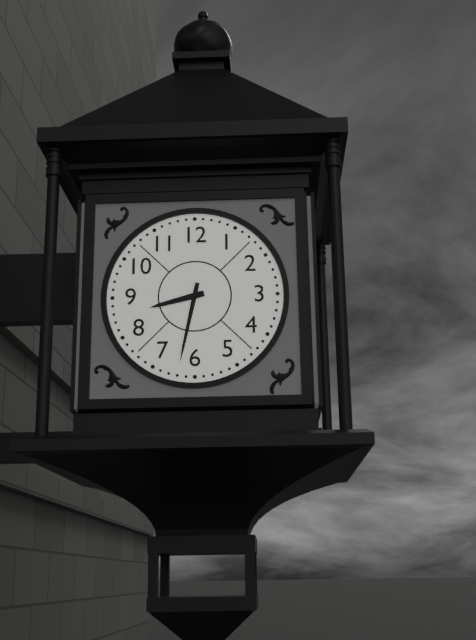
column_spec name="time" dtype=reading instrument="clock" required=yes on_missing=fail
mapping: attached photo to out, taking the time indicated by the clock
8:32
